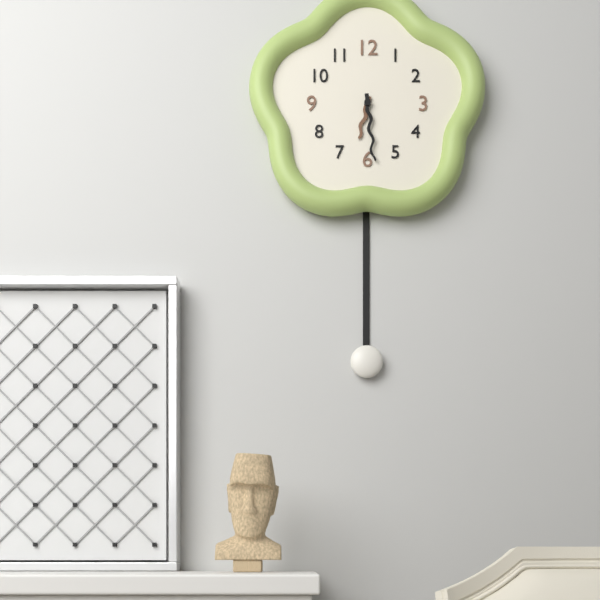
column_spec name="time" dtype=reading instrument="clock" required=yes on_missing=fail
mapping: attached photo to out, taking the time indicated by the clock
6:29
